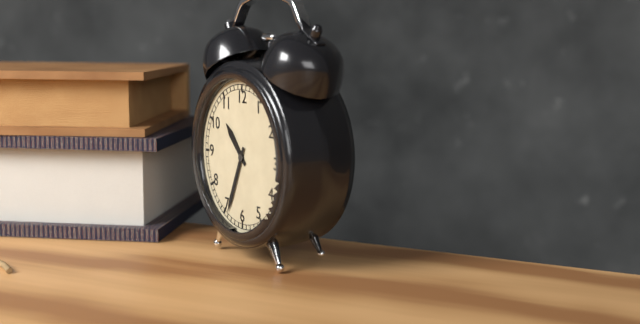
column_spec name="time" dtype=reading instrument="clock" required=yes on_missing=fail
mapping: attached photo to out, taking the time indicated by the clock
10:34
